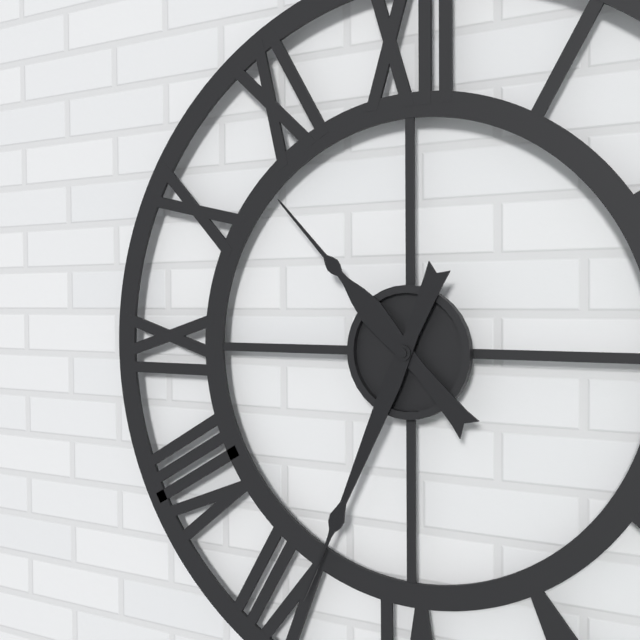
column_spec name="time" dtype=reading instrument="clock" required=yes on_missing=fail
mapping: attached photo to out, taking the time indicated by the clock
10:34
